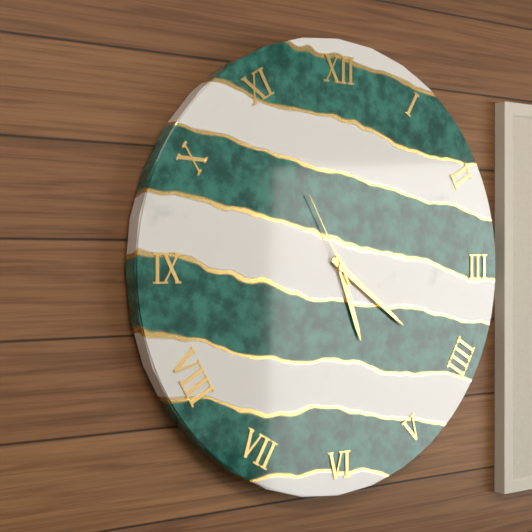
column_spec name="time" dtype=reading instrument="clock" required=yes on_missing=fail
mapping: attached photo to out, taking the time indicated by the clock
5:21:55
